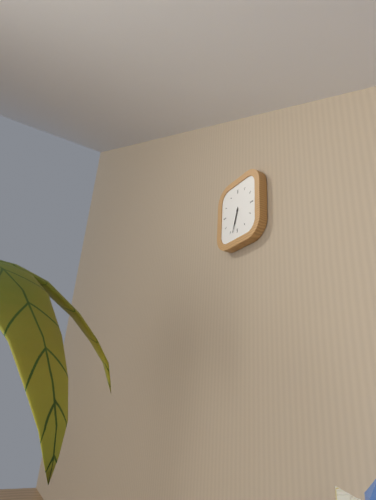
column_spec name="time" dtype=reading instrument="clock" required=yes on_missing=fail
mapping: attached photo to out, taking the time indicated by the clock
6:33
